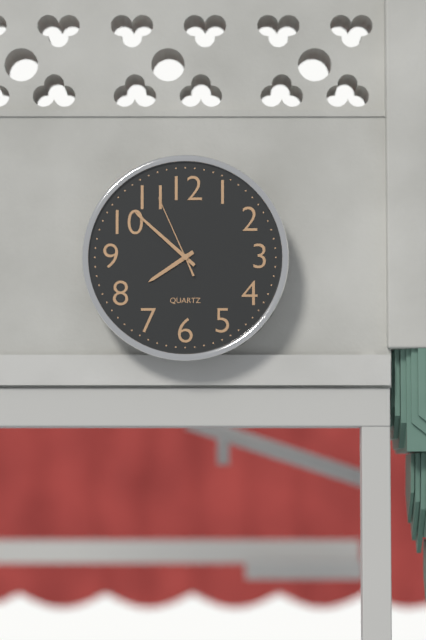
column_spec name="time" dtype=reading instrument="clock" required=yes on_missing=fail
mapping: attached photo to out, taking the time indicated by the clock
7:52:56
